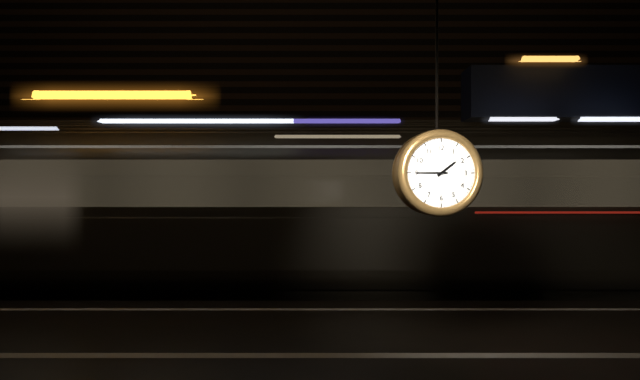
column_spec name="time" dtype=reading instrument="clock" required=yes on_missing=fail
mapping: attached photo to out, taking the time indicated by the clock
1:45
